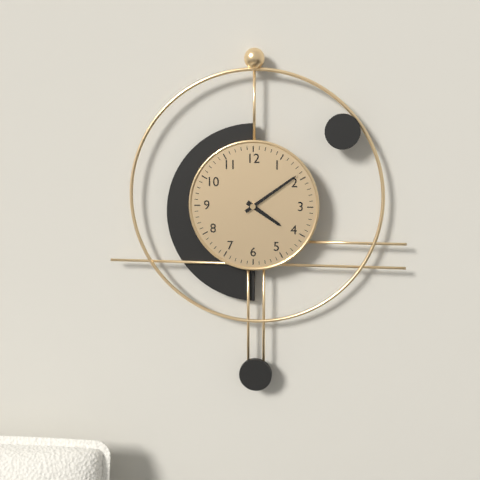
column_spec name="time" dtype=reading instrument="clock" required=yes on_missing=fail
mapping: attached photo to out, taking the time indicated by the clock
4:09
